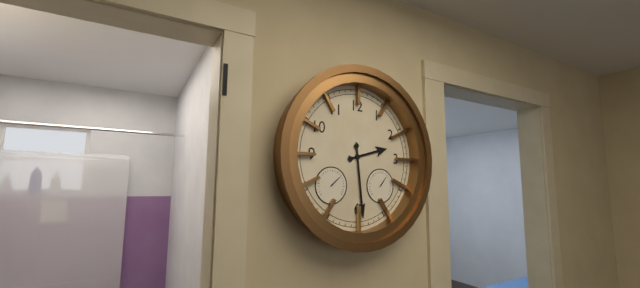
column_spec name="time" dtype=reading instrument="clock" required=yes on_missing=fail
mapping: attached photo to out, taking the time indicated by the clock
2:29
